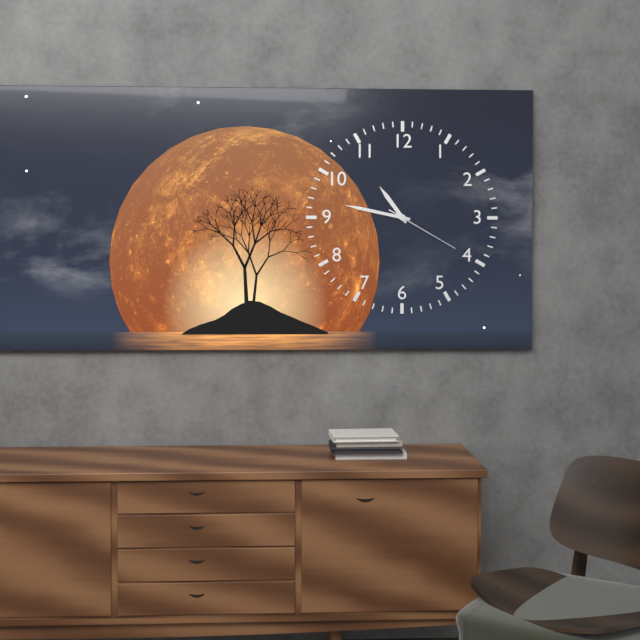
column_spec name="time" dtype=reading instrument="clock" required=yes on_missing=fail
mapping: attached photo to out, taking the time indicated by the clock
10:47:20
